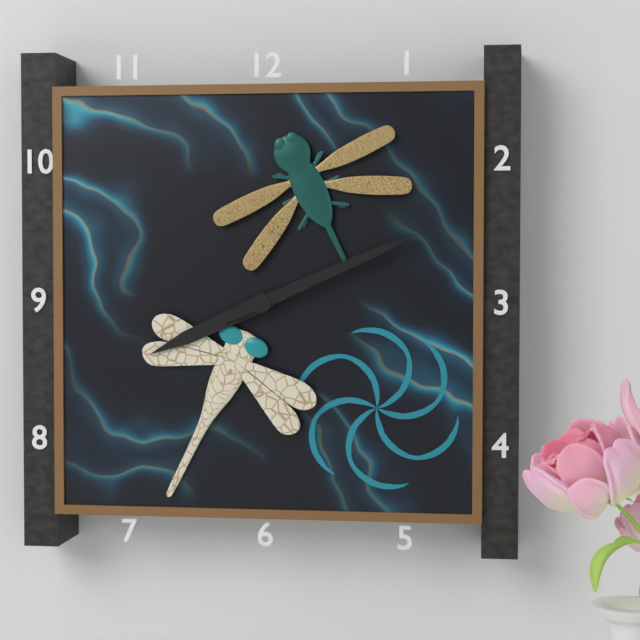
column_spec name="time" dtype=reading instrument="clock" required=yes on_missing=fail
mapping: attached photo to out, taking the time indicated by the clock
8:11
